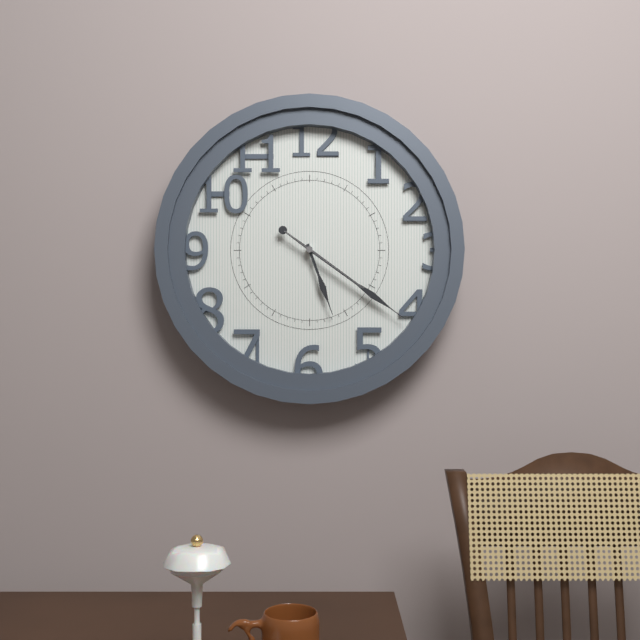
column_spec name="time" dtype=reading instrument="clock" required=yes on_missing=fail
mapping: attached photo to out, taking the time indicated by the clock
5:21:21
